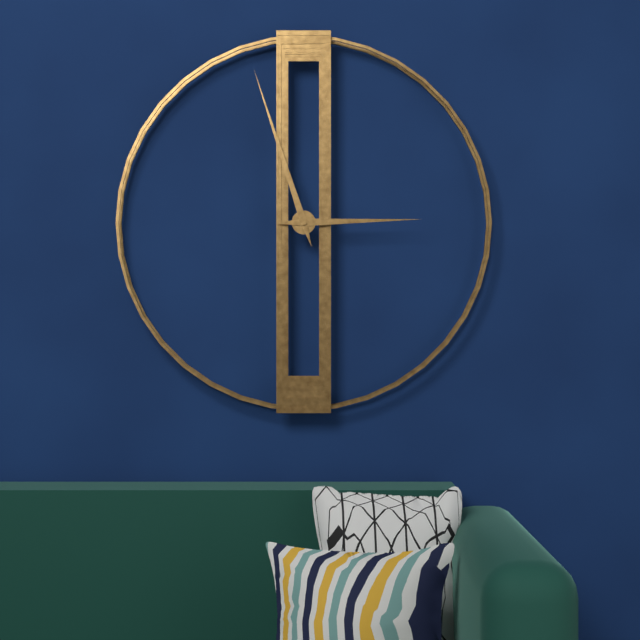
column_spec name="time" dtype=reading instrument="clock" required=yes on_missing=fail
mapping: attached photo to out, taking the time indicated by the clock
2:57
